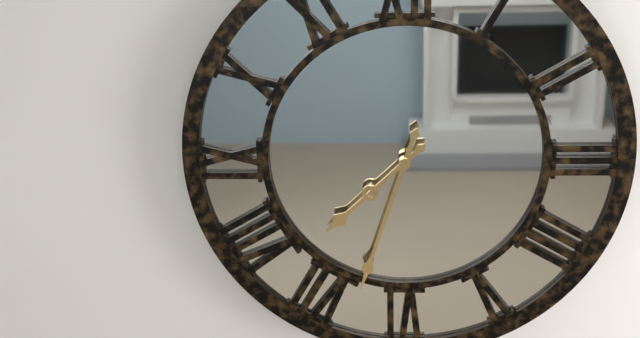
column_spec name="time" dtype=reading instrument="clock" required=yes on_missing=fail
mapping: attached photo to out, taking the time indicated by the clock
7:33
